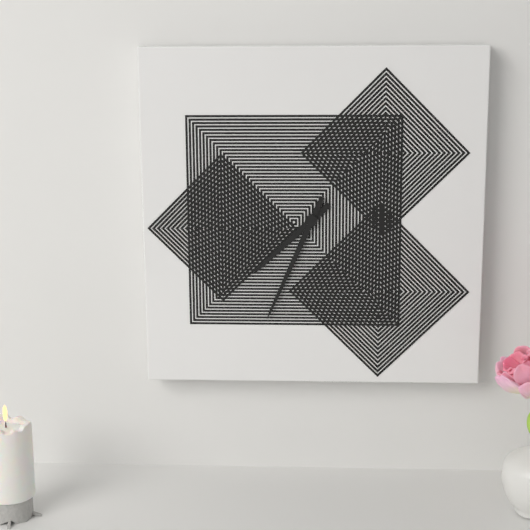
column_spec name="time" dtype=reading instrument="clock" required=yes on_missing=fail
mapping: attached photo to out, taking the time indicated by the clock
7:34
